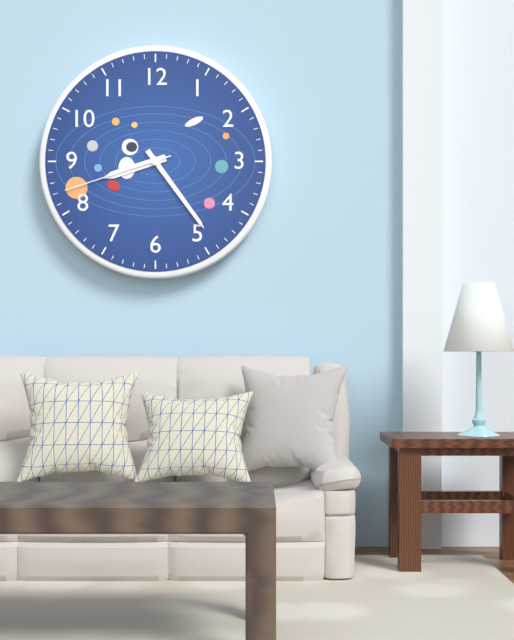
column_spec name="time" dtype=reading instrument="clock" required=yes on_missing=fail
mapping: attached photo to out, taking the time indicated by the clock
8:24:42
